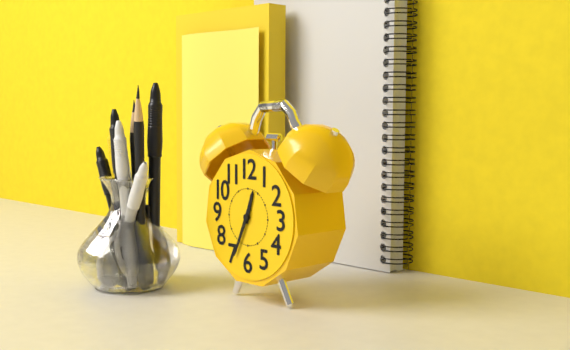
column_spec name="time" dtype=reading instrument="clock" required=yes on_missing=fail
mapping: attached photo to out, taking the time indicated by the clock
12:34
